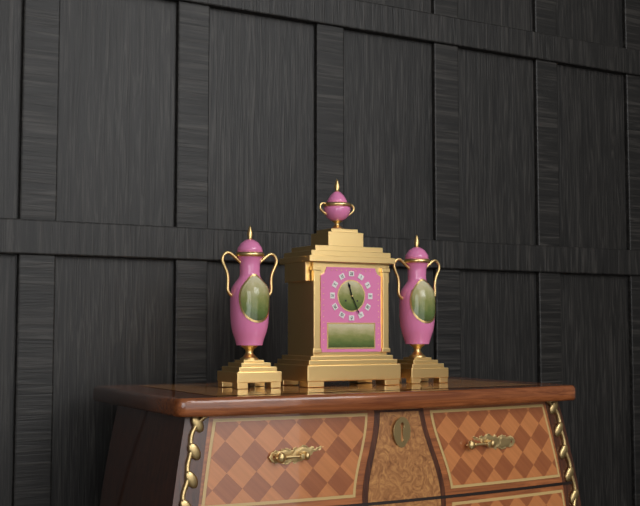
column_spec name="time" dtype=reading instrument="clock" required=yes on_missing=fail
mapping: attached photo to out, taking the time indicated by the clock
11:26
